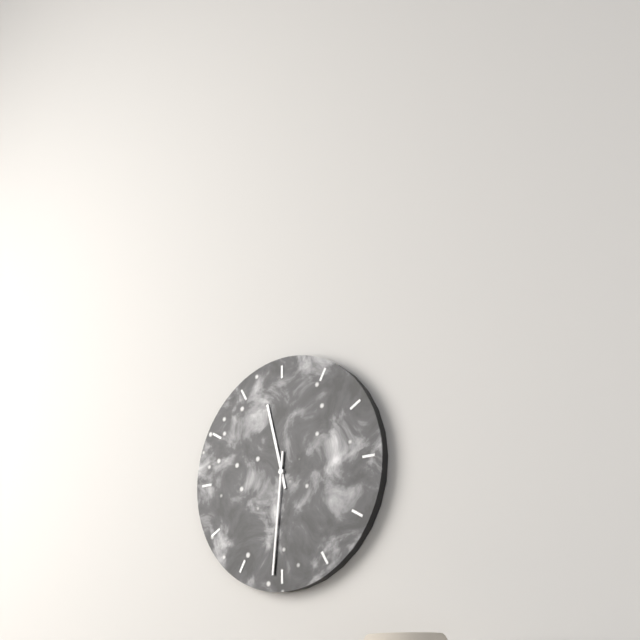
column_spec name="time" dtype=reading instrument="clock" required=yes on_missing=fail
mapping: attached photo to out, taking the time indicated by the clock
11:31
